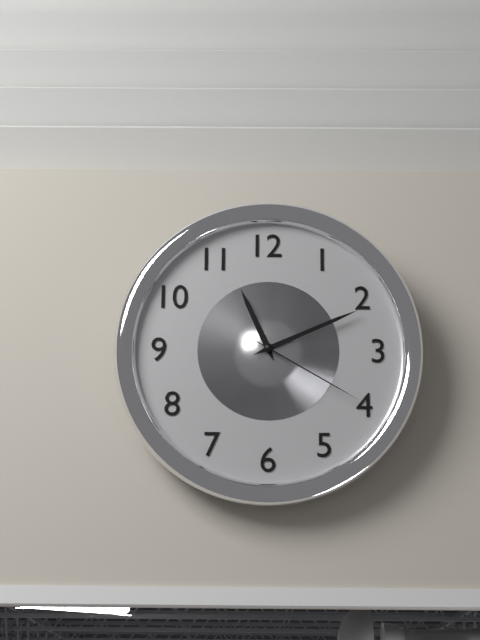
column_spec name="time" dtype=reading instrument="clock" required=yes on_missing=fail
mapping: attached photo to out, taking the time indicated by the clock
11:11:20
